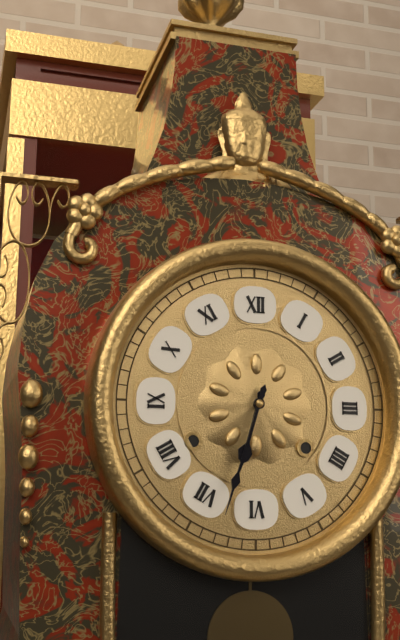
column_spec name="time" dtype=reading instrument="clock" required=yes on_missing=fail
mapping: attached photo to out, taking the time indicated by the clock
6:33
